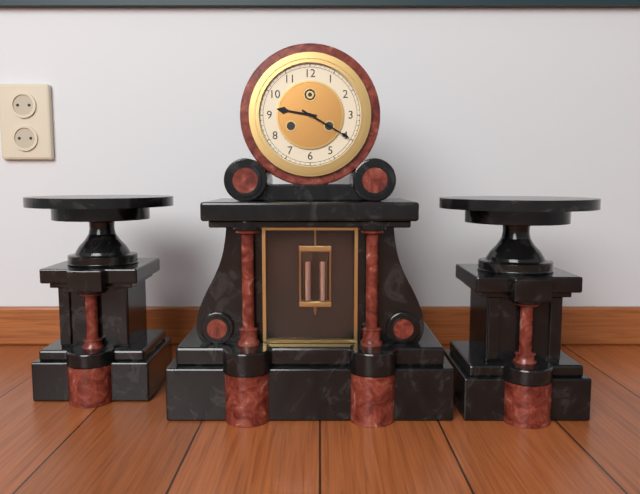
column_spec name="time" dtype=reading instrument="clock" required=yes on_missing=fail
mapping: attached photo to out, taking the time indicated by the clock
9:20
